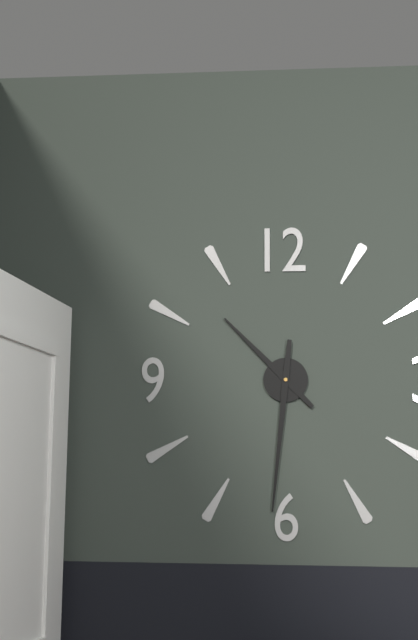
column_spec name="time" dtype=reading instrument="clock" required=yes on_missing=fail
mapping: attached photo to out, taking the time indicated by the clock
10:31
